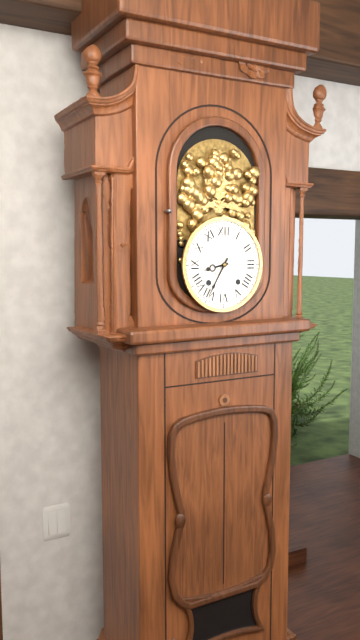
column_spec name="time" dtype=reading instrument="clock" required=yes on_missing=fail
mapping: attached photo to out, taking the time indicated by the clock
8:35
